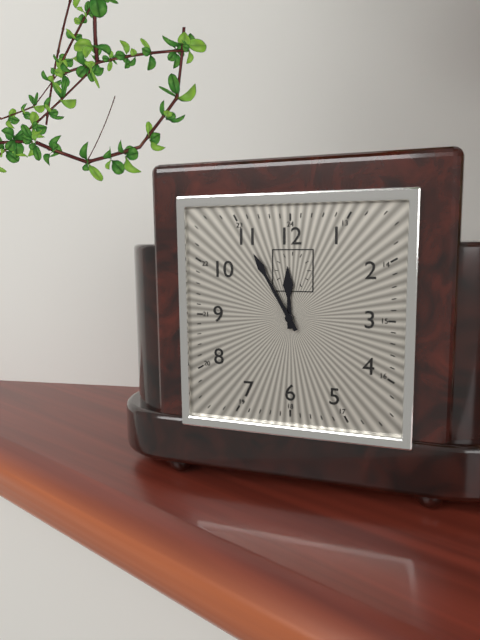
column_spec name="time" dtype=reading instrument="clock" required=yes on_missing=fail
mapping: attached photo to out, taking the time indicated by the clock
11:55
